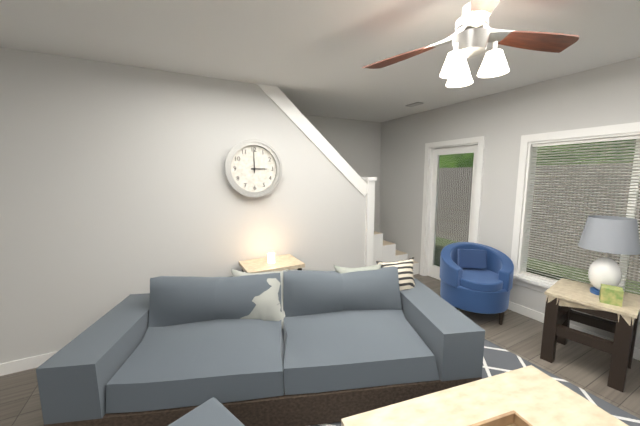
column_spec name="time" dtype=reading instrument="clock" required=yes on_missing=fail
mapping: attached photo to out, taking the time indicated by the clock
3:00
